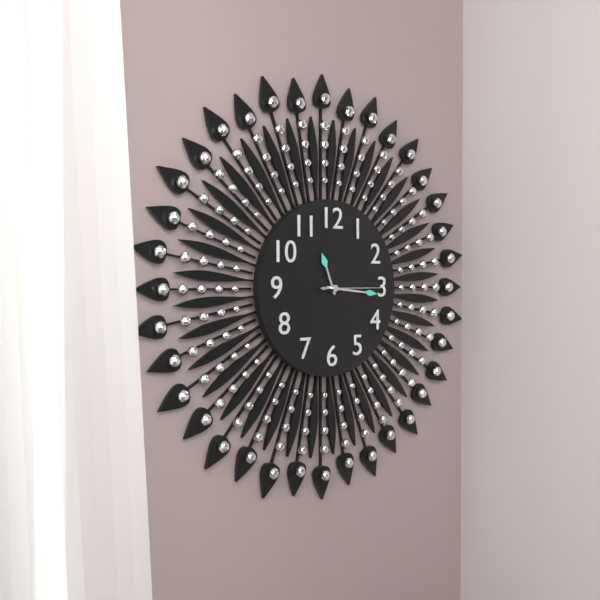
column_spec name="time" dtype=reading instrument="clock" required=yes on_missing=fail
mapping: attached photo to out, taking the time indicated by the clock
11:16:15
